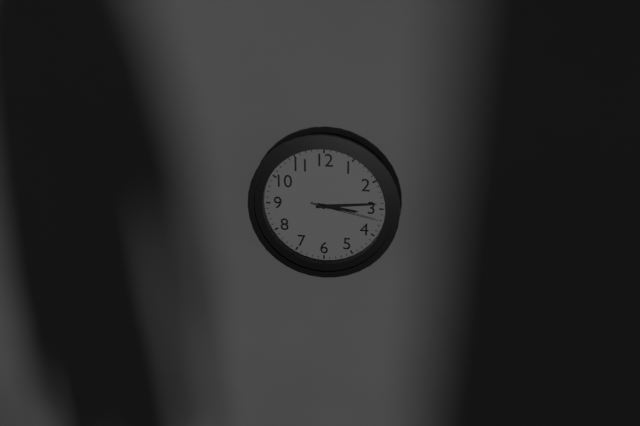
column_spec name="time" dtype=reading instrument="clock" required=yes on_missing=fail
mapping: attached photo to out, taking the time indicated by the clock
3:14:17
